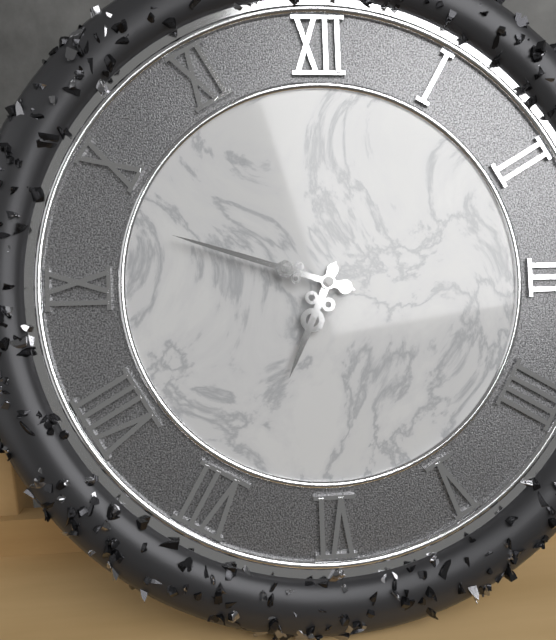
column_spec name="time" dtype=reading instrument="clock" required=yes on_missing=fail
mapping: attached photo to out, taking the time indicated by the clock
6:48
